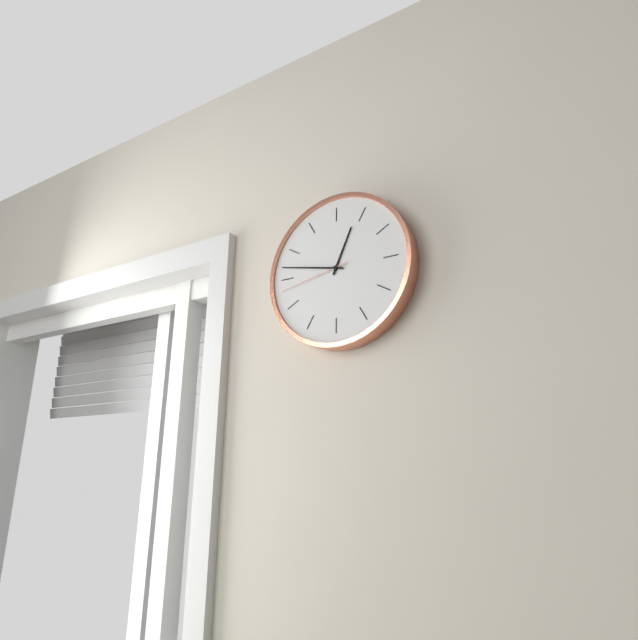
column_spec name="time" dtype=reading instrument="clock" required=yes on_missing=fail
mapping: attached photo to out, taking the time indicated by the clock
12:47:43
